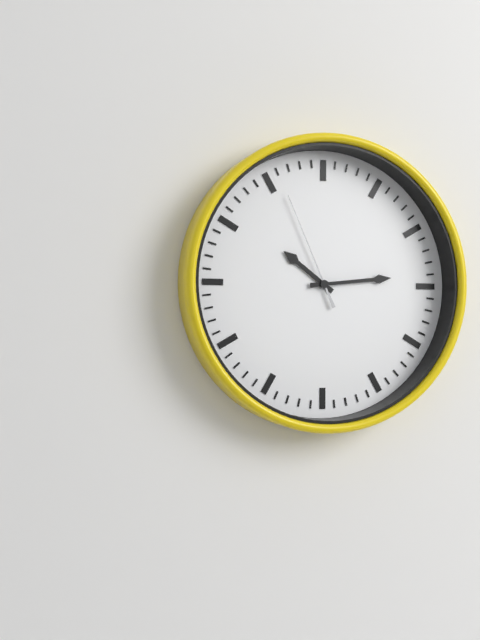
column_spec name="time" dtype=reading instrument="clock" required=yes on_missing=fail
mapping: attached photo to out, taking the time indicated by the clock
10:14:56
